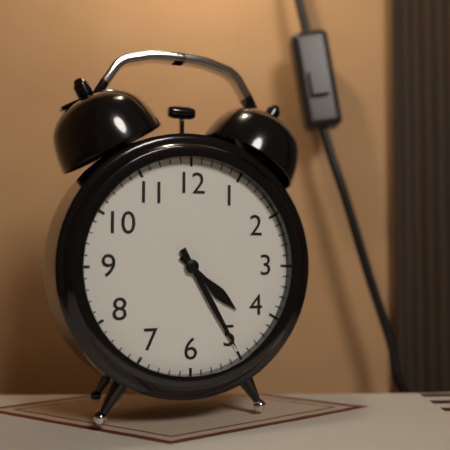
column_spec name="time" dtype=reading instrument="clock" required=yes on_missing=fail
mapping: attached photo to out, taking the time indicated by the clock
4:25
